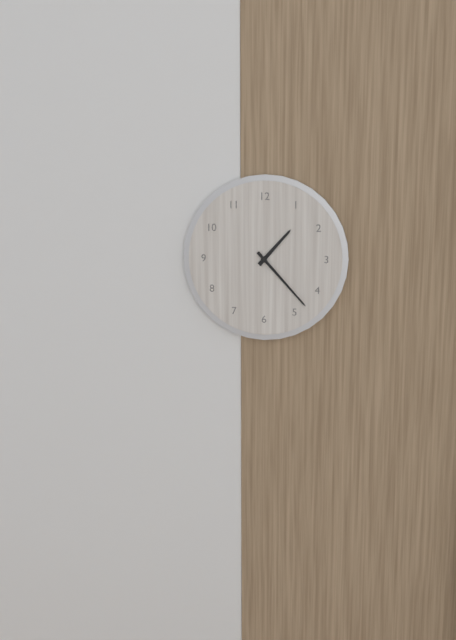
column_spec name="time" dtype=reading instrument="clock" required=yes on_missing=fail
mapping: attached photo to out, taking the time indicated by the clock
1:23
